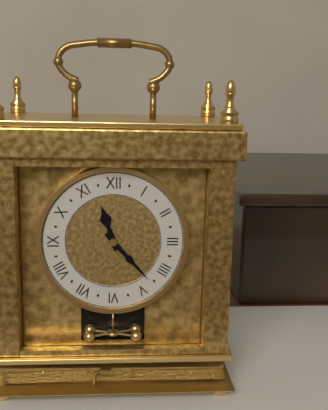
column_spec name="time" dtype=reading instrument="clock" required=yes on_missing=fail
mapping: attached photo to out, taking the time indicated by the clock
11:23
